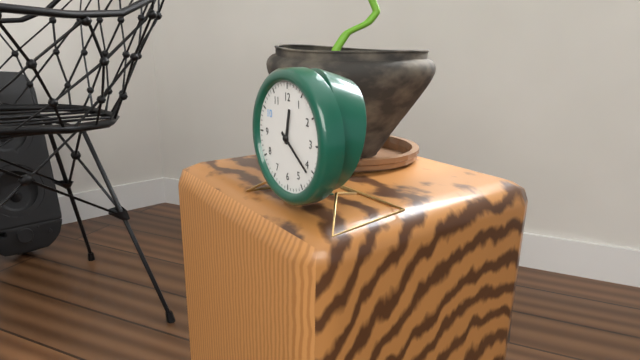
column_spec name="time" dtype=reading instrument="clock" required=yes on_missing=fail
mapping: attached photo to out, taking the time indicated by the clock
12:21
